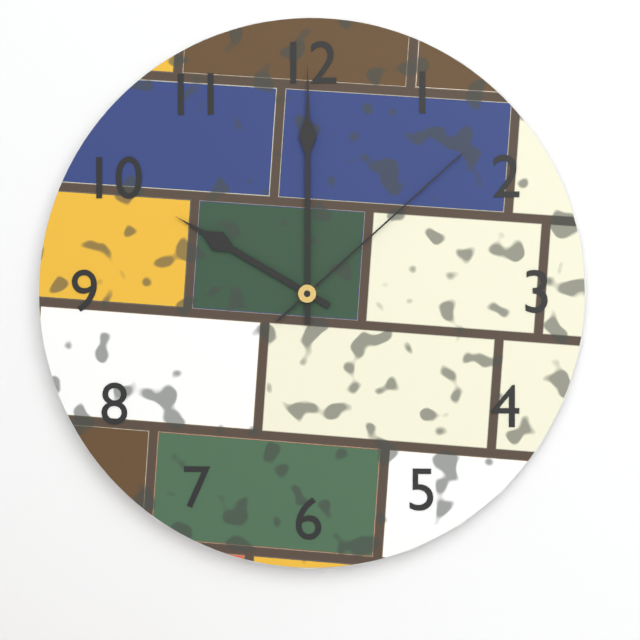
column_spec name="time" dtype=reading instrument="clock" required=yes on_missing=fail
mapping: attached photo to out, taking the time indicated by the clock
10:00:08
